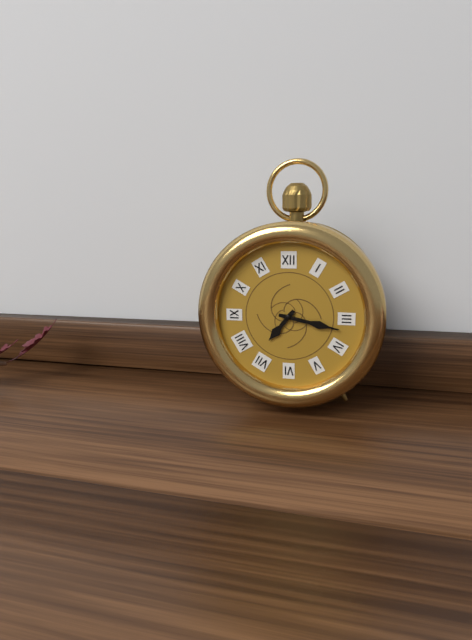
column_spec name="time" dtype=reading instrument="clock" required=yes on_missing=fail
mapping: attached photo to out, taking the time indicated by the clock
7:17
